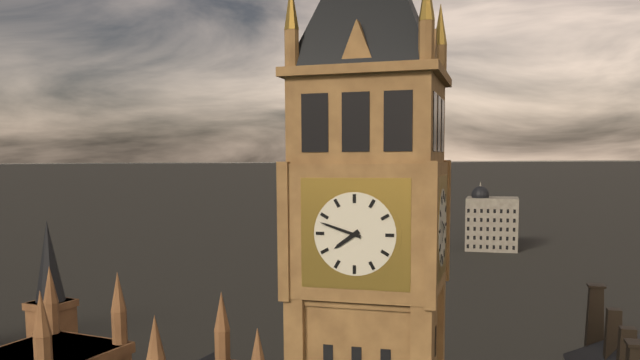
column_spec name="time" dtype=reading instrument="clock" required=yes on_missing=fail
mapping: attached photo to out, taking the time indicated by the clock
7:48
